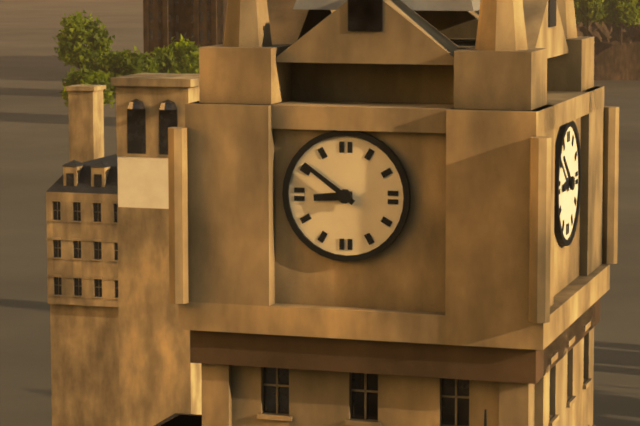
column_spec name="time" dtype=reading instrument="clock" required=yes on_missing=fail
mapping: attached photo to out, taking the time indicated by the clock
8:51
